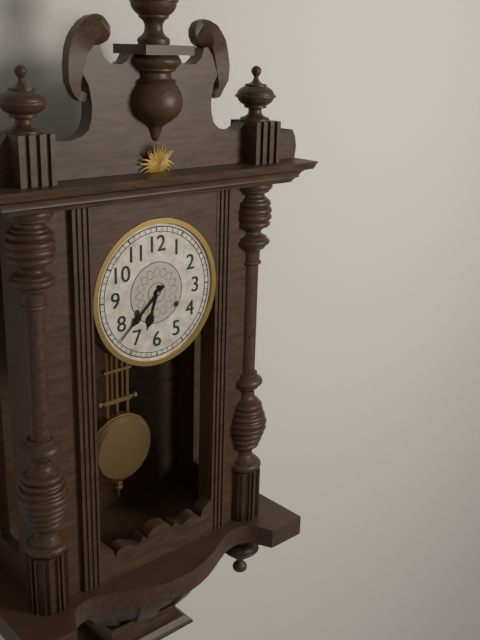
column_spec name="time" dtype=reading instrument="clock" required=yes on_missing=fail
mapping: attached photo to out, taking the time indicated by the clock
6:38
